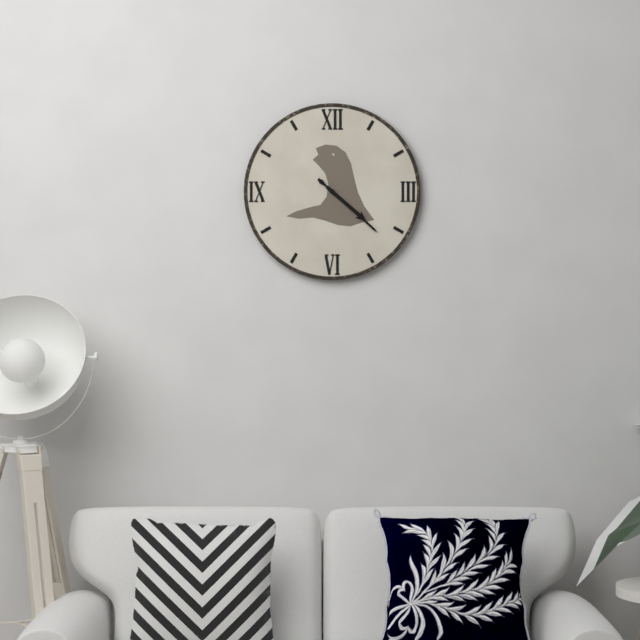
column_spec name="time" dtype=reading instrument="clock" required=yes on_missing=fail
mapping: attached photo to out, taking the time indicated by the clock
4:22
